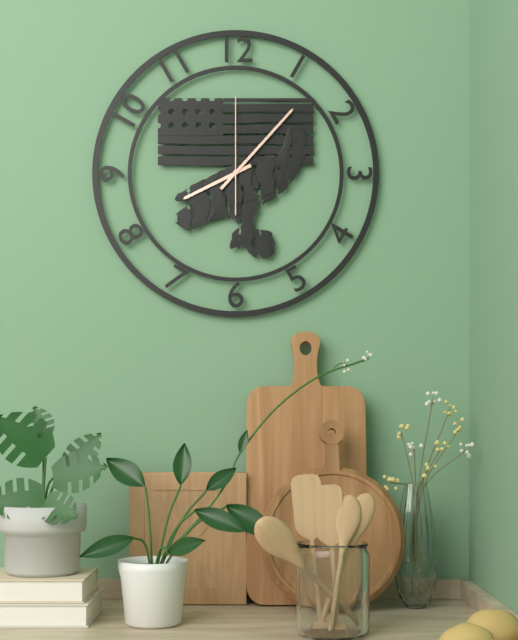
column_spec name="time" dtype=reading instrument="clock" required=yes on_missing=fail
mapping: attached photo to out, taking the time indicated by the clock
8:07:00
